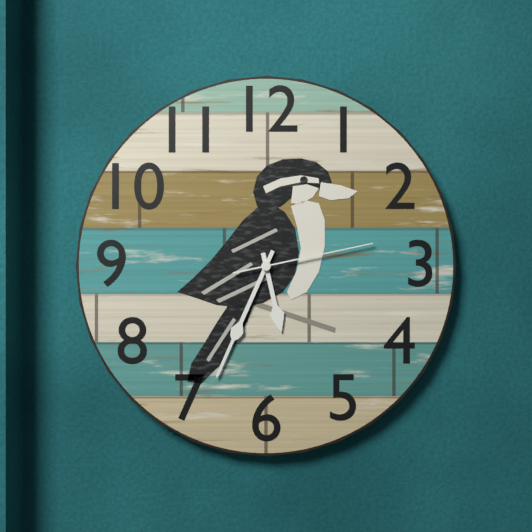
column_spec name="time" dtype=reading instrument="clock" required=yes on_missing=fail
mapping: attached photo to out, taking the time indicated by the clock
5:34:13
